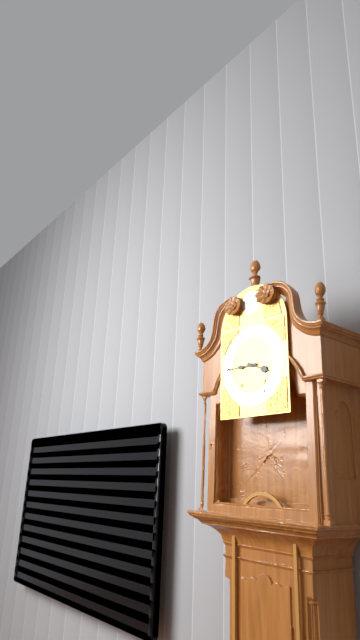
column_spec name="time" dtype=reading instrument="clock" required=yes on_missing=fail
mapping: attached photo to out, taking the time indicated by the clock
3:45
